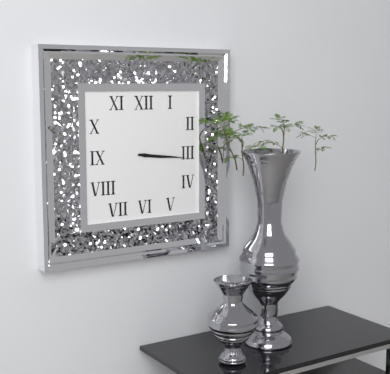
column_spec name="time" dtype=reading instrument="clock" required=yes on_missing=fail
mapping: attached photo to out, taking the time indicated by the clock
3:16
